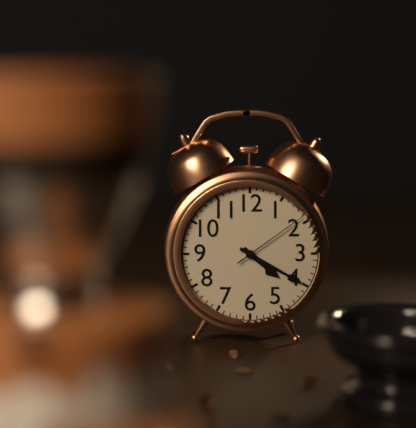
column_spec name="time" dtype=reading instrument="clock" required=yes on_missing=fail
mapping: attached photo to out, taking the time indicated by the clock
4:20:09
